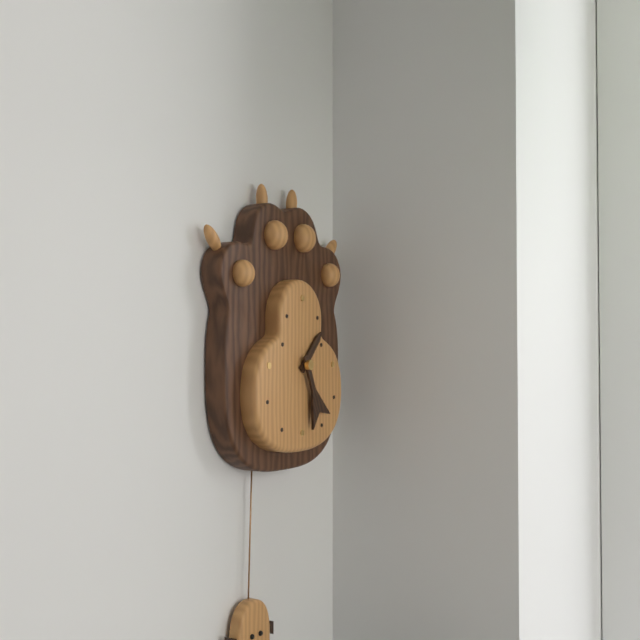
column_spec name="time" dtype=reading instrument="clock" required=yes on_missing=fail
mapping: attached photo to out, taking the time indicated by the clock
1:26
